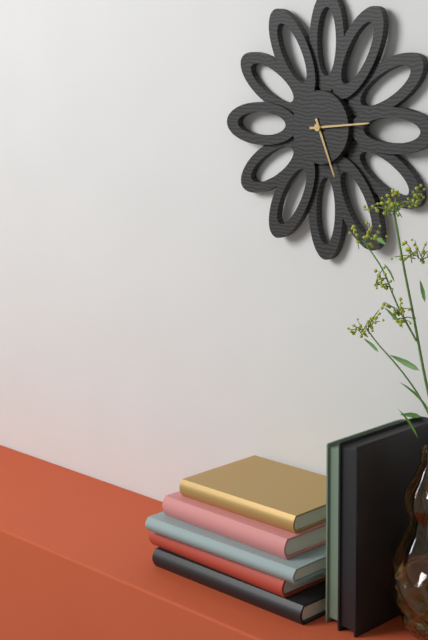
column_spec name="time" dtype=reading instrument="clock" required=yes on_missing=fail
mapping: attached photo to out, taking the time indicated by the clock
5:14
